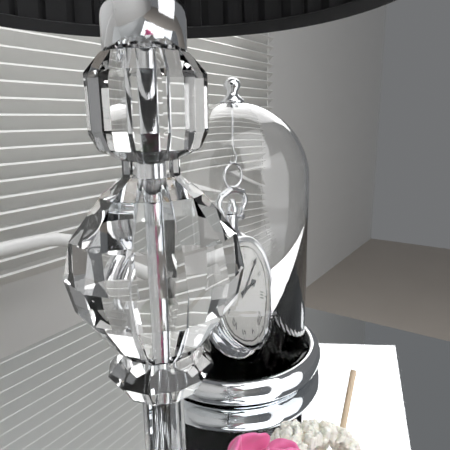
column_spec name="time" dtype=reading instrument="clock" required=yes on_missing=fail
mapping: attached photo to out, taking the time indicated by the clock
2:06
